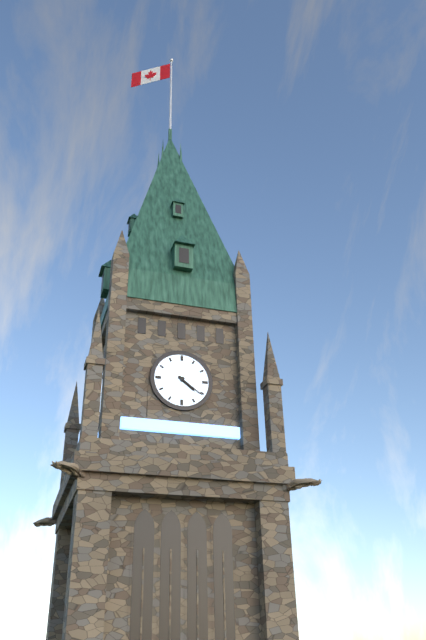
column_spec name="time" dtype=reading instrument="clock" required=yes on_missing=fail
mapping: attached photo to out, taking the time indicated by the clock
4:21
